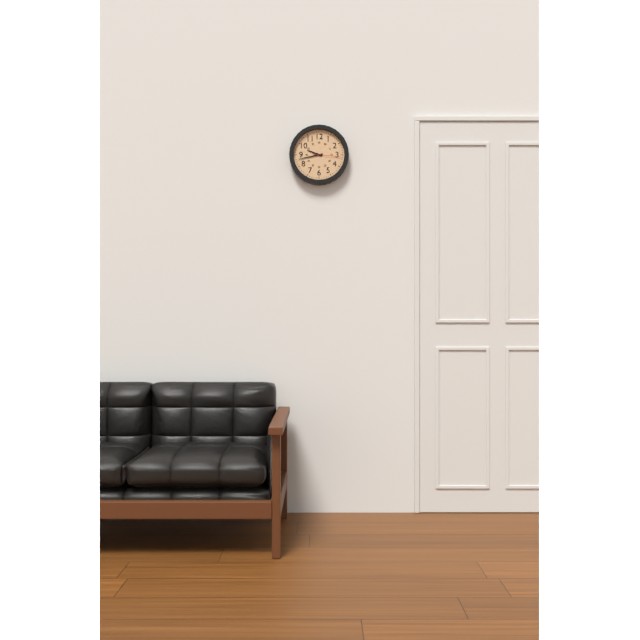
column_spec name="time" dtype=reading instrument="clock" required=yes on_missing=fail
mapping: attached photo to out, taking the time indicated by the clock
9:43
